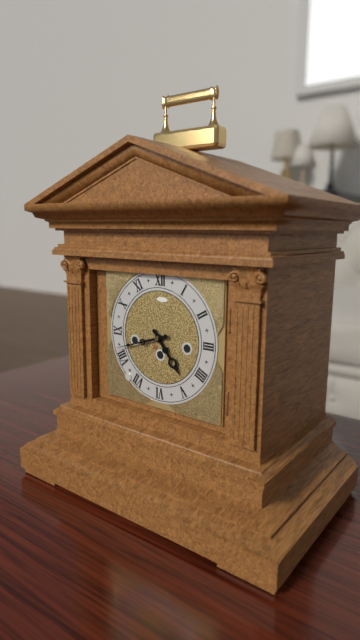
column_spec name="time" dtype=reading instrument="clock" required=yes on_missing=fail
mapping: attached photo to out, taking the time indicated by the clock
4:42
